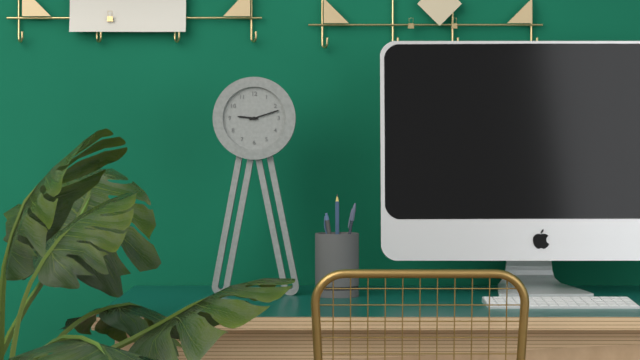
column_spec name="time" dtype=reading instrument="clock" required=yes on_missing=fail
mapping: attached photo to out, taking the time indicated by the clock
9:12
